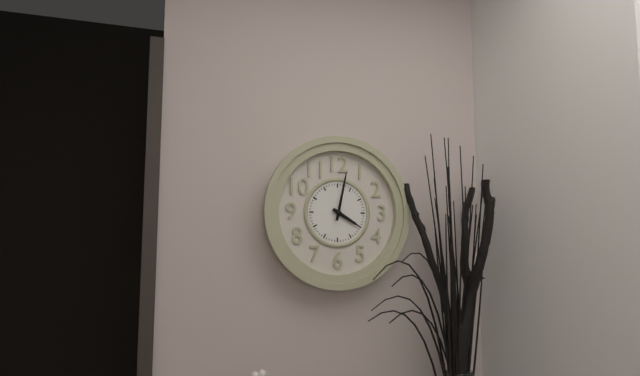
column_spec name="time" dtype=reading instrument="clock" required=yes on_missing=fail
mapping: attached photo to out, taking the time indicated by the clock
4:02
